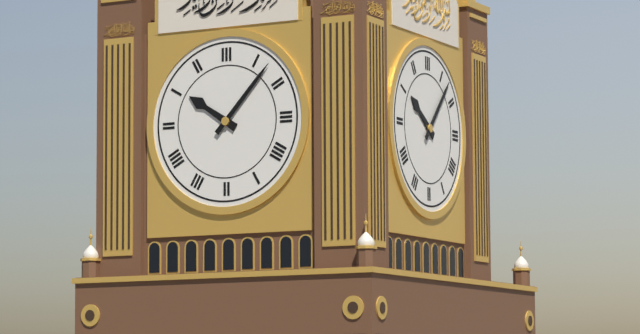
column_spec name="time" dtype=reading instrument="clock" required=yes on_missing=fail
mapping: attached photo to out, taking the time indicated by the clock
10:07
